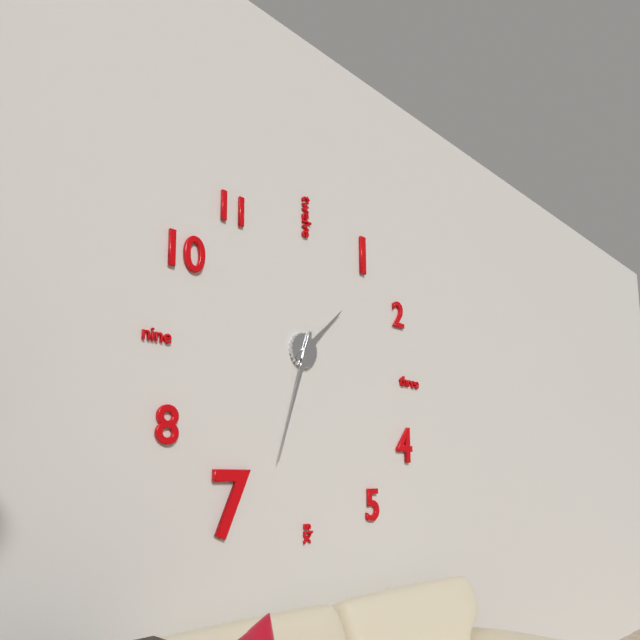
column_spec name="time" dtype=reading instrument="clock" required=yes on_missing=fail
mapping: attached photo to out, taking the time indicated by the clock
1:33
